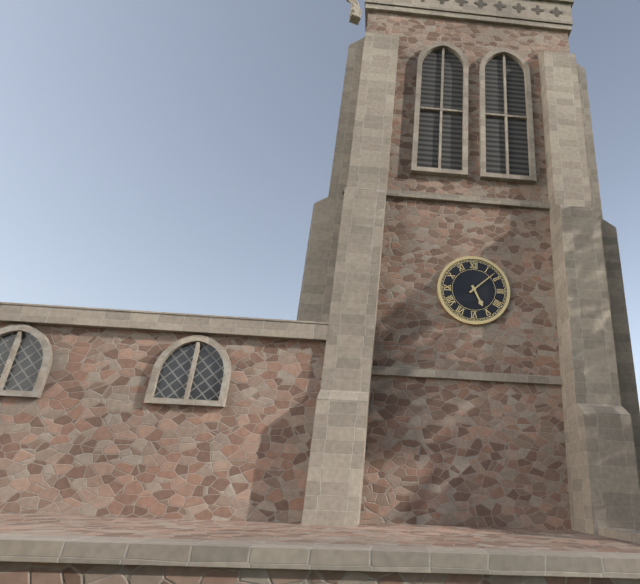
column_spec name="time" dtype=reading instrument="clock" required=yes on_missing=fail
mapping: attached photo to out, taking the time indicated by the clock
5:08
